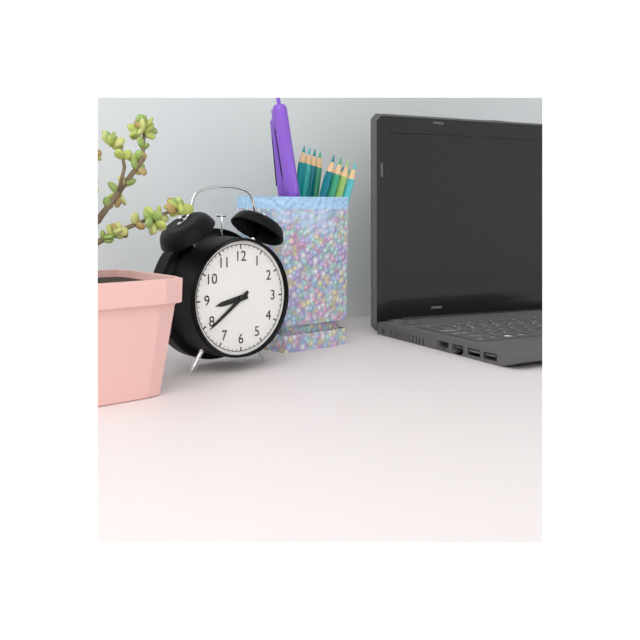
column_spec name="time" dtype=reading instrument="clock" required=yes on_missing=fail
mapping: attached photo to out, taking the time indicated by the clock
8:39
